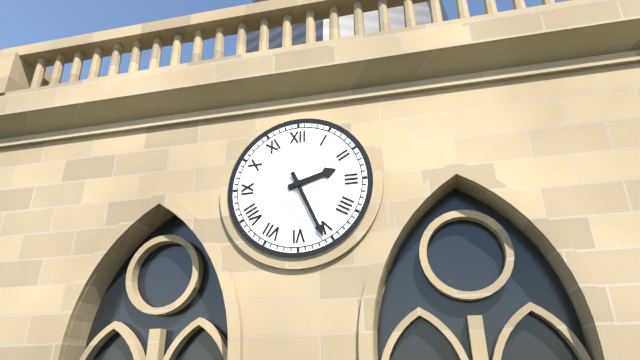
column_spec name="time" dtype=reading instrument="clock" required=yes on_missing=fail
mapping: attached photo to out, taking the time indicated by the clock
2:26
